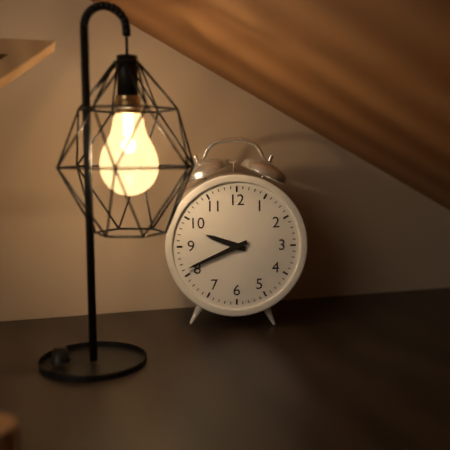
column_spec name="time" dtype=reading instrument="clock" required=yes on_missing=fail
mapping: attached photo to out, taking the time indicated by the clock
9:41
